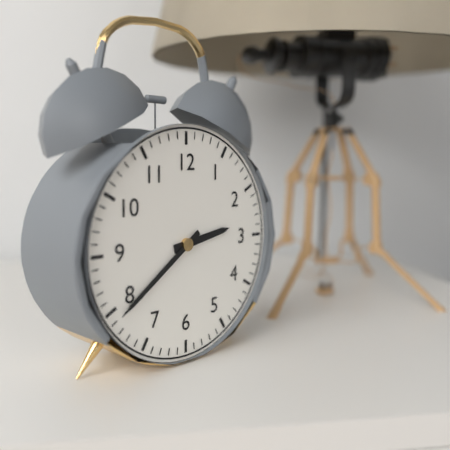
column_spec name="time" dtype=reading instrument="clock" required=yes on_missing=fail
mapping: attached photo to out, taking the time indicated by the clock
2:39
